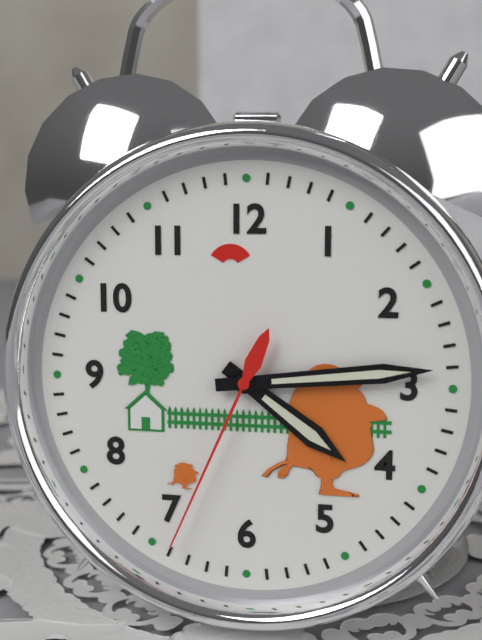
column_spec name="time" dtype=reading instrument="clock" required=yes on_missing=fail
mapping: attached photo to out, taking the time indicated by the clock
4:14:34
